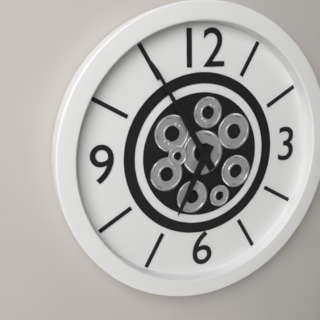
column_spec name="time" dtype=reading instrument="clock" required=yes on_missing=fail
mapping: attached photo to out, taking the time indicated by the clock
6:55
